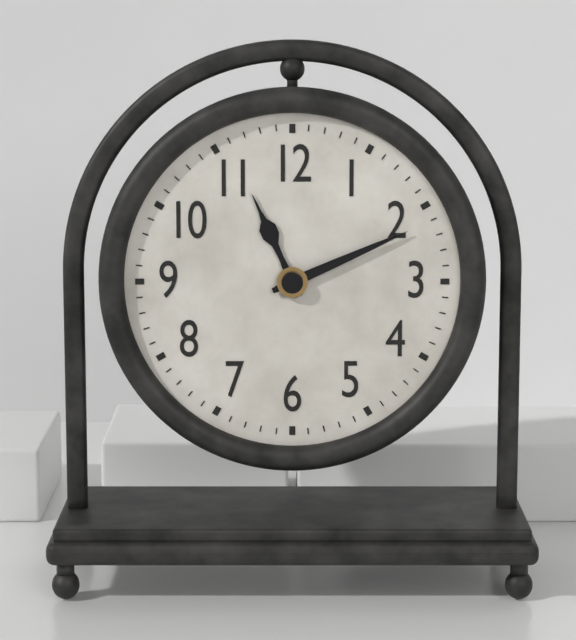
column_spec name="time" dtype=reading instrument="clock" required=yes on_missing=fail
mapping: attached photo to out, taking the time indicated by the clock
11:11
